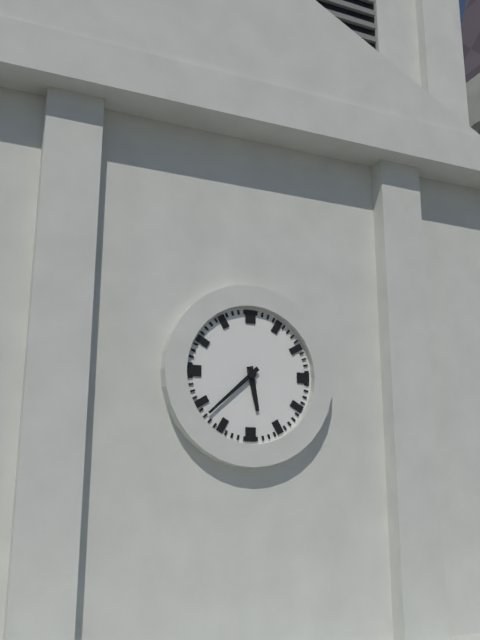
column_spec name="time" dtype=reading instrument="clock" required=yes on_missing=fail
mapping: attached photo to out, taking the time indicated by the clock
5:38
